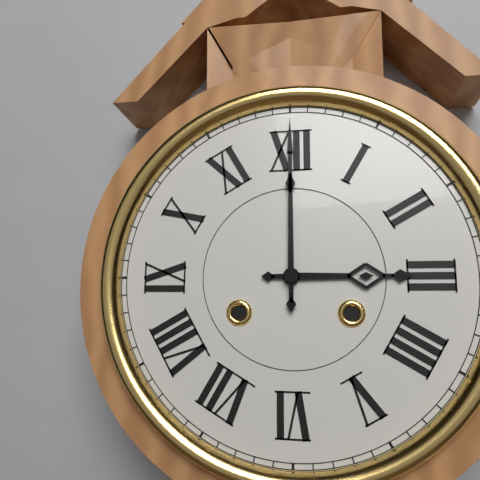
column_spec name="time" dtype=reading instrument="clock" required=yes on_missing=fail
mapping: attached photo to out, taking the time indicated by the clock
3:00
